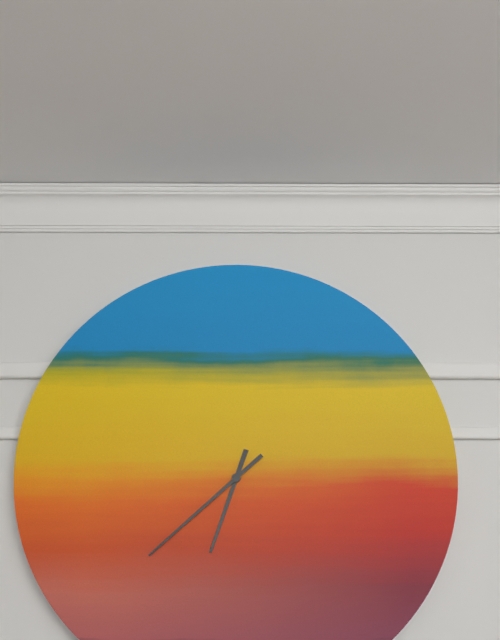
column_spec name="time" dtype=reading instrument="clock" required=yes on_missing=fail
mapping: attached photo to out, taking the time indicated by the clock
6:38
